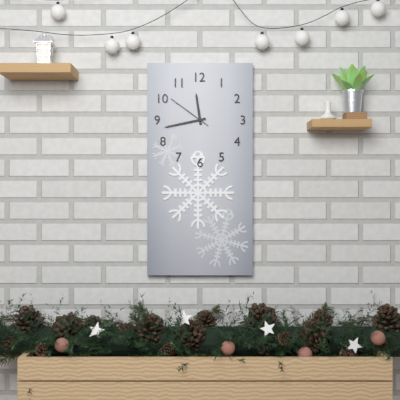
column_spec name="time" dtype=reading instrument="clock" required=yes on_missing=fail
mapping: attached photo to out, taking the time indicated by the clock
11:43
